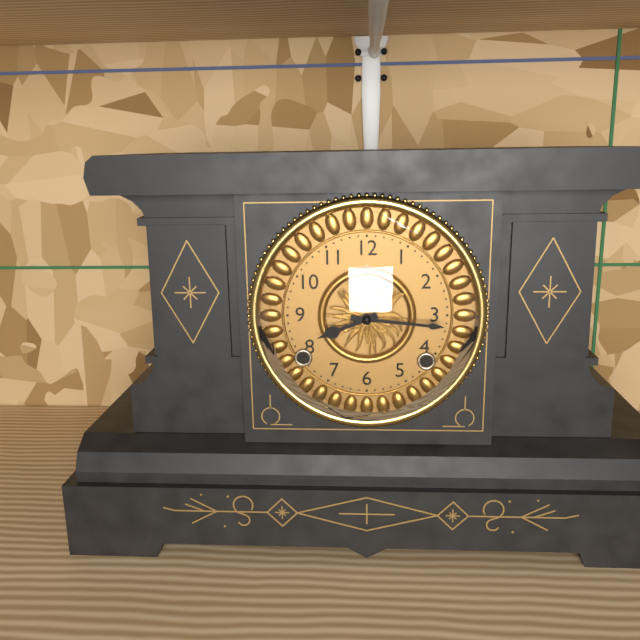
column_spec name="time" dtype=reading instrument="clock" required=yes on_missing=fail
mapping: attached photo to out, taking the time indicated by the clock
8:16
